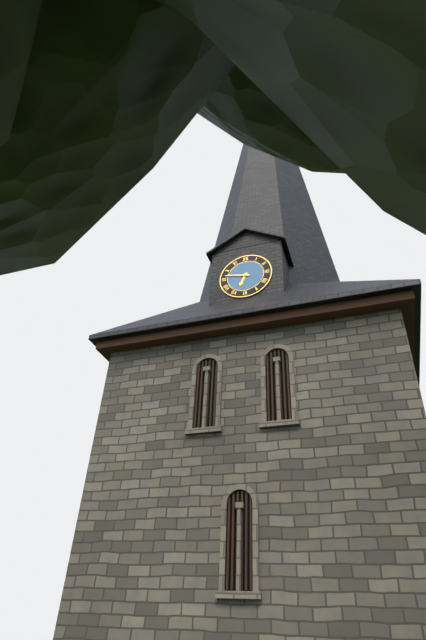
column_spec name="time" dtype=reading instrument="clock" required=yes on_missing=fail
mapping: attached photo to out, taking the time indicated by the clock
6:47
